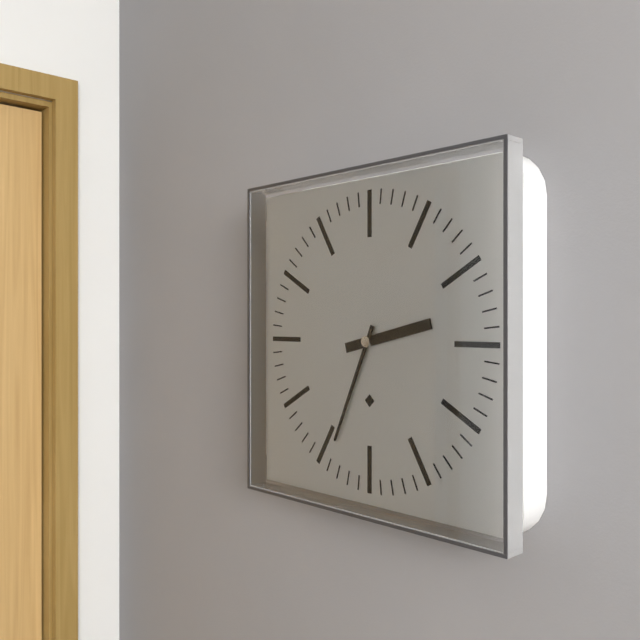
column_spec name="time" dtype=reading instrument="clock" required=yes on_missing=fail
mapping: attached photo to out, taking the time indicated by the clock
2:34
